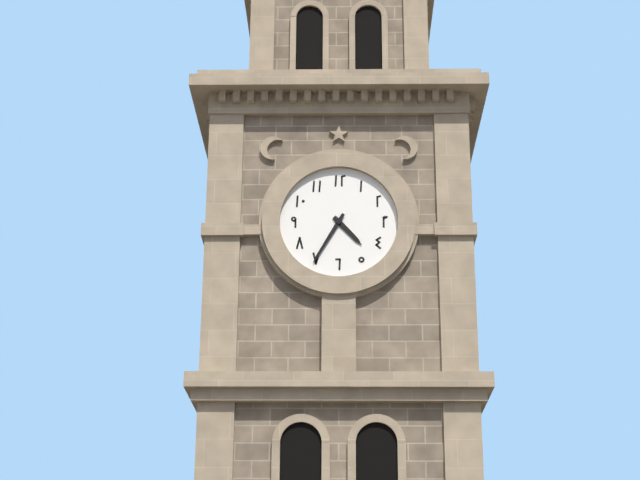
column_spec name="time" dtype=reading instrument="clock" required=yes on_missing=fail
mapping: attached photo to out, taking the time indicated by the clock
4:35
